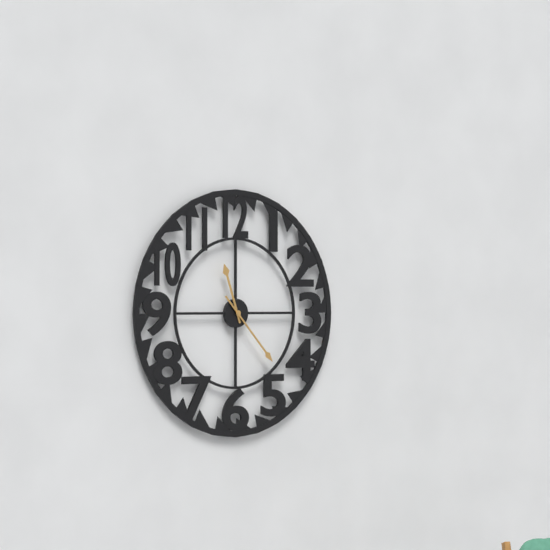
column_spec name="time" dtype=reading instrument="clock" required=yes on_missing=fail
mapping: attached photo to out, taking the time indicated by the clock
11:23
